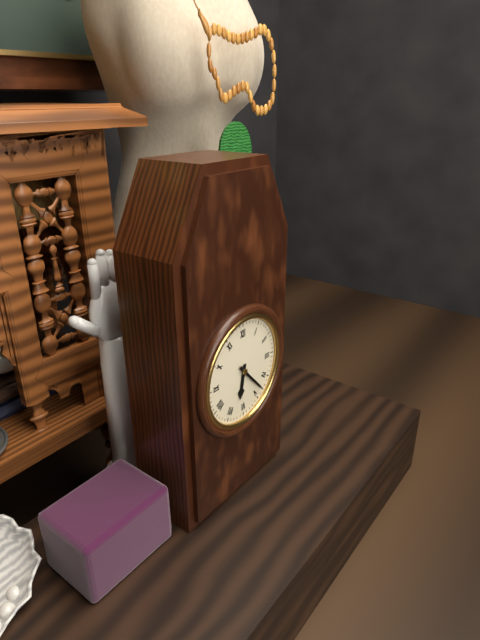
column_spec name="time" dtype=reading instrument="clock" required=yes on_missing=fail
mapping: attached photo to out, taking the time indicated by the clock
6:23
